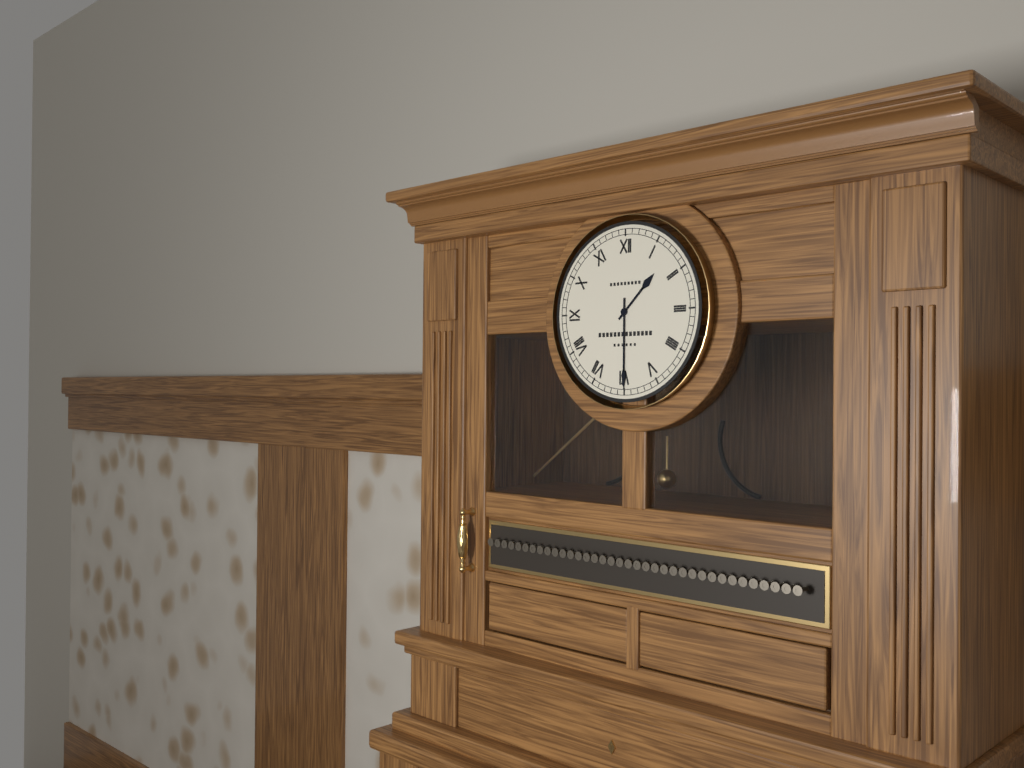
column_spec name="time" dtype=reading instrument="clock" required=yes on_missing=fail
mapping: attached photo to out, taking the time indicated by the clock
1:30
